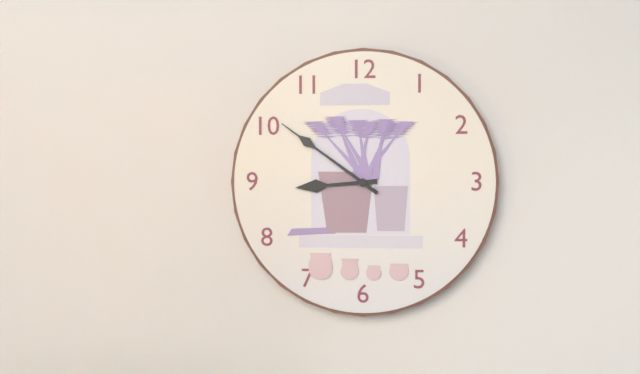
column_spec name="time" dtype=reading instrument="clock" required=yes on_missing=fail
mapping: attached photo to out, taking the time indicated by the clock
8:51
